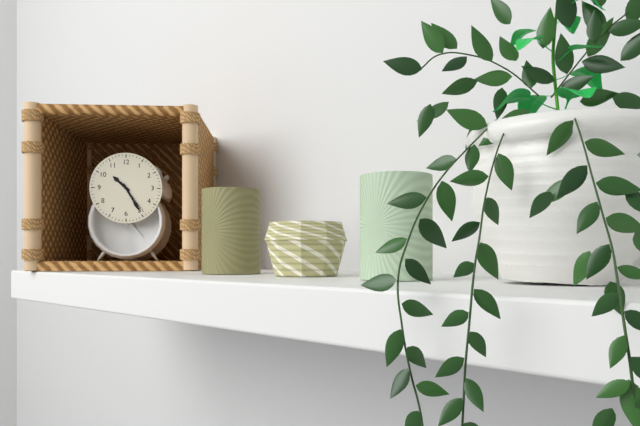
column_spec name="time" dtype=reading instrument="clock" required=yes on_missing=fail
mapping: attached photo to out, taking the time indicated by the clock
10:25
